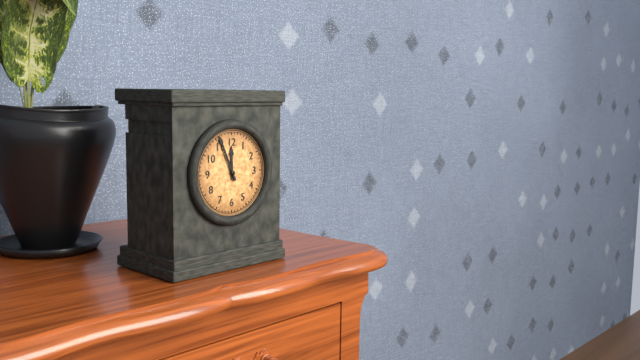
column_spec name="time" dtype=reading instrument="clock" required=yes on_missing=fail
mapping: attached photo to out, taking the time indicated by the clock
11:56
